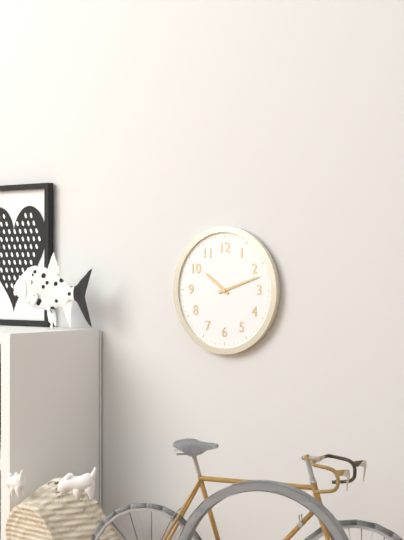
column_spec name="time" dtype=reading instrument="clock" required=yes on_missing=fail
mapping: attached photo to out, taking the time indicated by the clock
10:12
